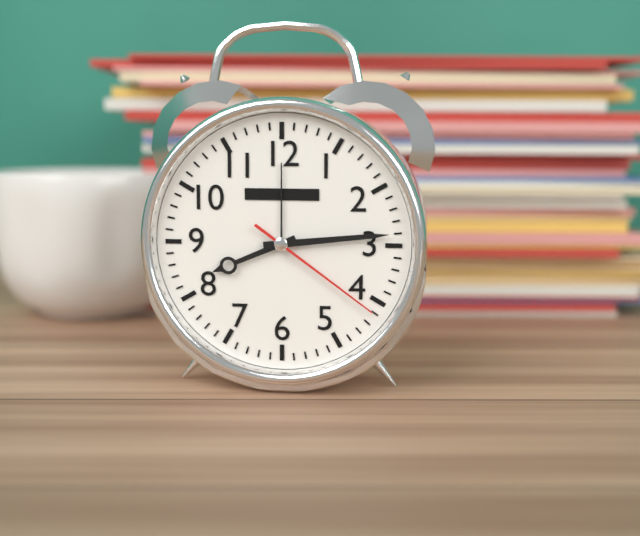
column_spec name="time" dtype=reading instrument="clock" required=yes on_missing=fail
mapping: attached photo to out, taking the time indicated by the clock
8:14:21
